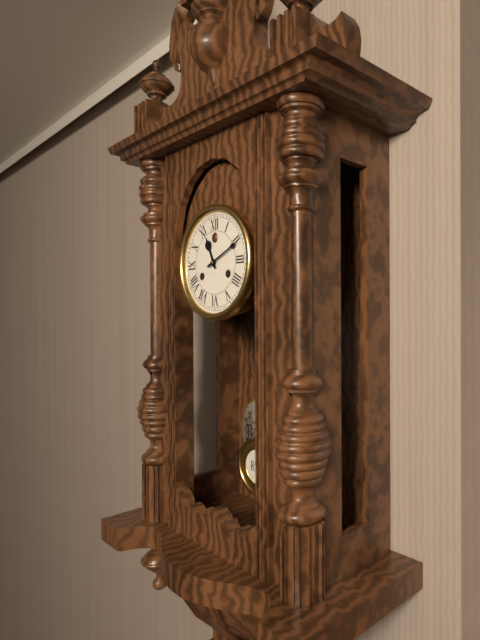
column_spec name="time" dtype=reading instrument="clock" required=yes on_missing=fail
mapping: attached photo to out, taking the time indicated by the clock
11:11
